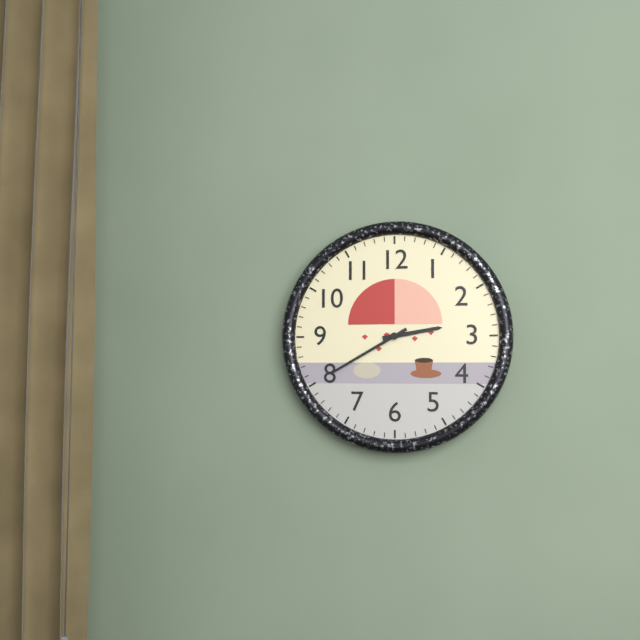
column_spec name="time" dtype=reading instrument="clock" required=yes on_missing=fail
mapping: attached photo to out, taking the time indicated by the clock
2:40
